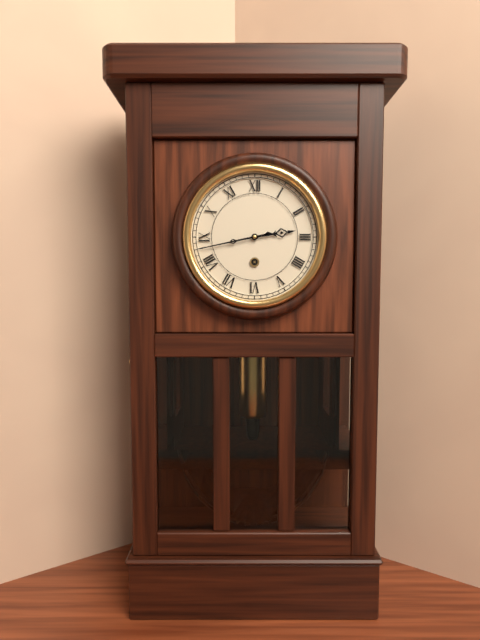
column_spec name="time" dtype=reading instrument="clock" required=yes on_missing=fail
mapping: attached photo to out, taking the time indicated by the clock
2:43
